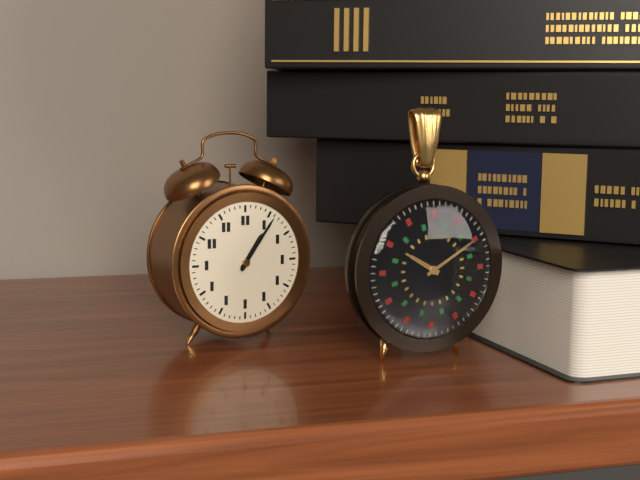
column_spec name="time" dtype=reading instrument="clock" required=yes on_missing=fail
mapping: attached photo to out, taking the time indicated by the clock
1:06
